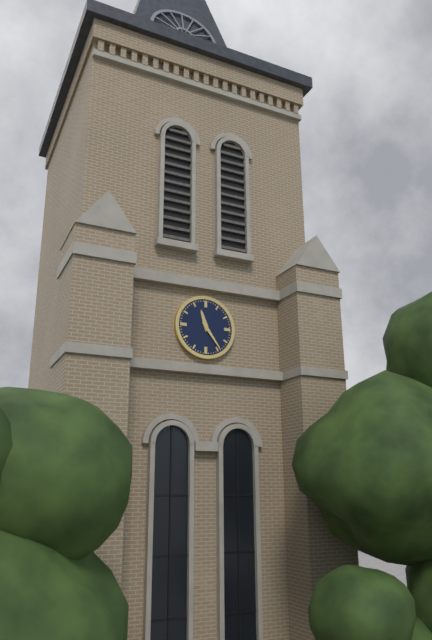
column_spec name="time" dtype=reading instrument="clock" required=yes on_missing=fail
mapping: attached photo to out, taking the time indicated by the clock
11:24
